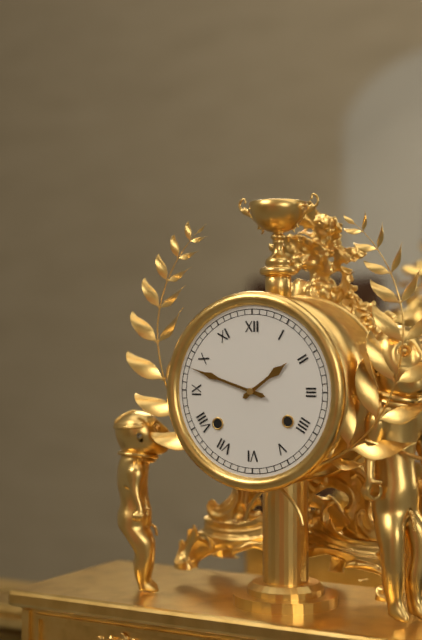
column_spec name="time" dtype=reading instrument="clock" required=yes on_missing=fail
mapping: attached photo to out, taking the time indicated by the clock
1:48
